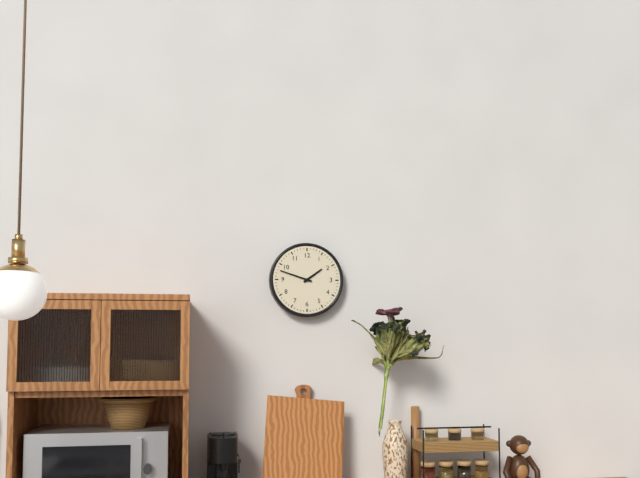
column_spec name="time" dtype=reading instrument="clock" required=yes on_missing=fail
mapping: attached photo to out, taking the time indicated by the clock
1:48
